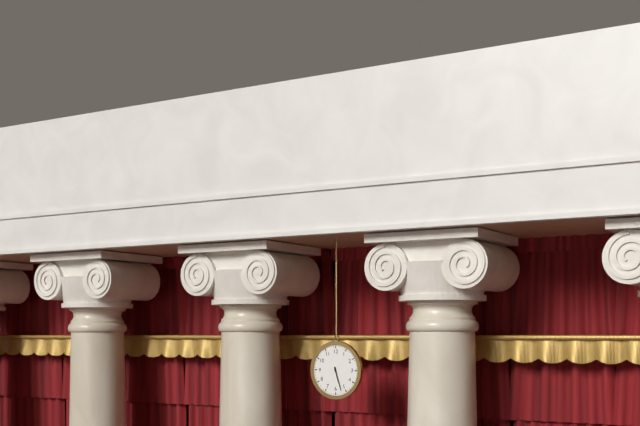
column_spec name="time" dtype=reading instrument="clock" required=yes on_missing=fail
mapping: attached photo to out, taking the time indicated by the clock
5:27
